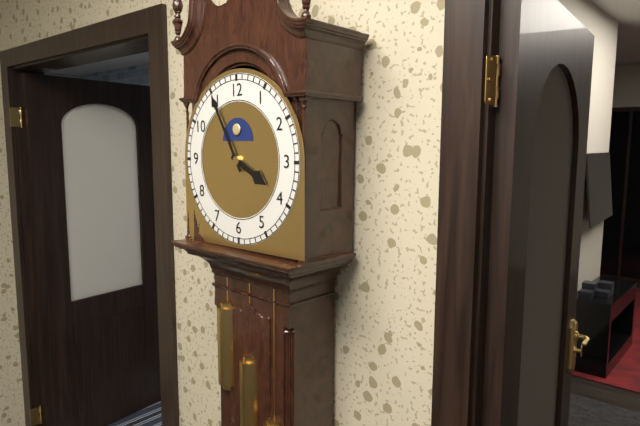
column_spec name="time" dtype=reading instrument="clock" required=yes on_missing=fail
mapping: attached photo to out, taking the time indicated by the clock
3:55
